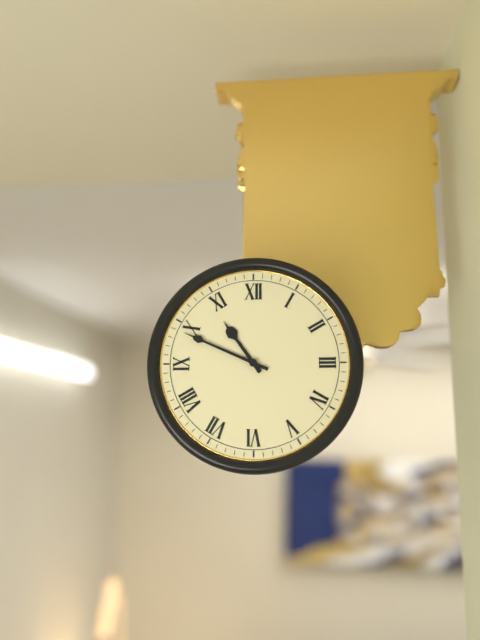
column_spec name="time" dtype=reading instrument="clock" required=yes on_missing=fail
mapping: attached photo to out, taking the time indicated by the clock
10:49
